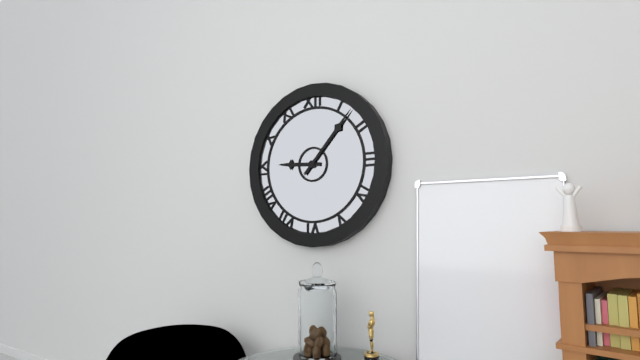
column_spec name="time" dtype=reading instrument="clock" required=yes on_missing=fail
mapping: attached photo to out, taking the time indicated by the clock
9:07
